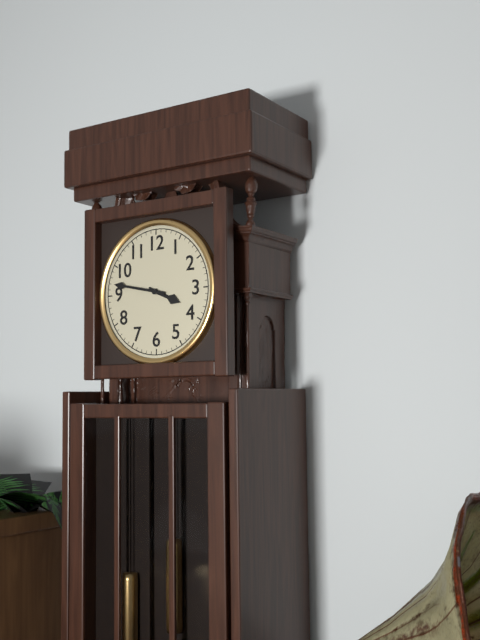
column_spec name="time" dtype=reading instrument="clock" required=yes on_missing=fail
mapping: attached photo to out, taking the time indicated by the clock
3:47
